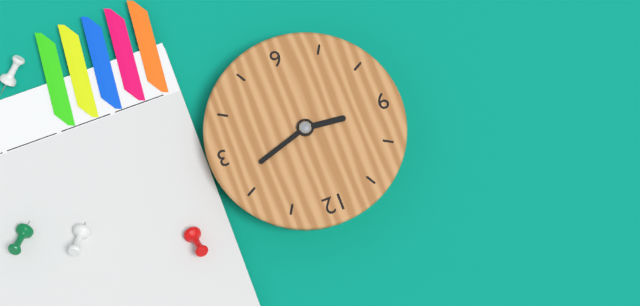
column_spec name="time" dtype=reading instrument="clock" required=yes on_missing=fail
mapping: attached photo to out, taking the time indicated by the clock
9:12
